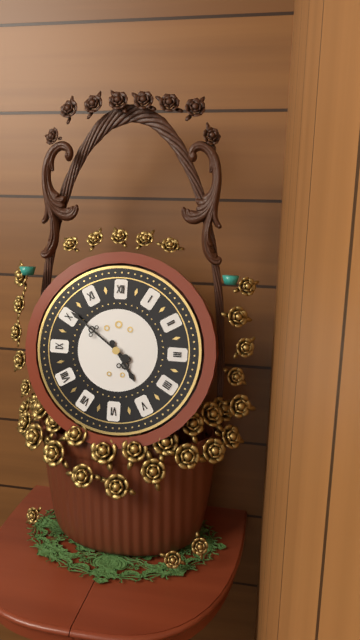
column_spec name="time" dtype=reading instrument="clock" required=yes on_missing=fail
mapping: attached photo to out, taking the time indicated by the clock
4:51
